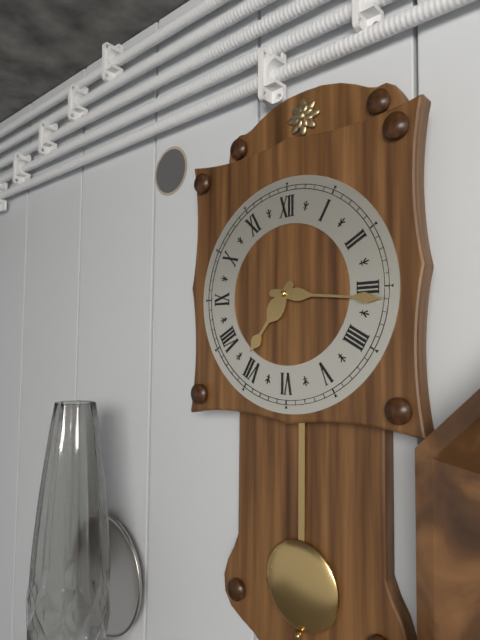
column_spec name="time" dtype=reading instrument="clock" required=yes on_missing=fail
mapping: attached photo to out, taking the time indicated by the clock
7:16
